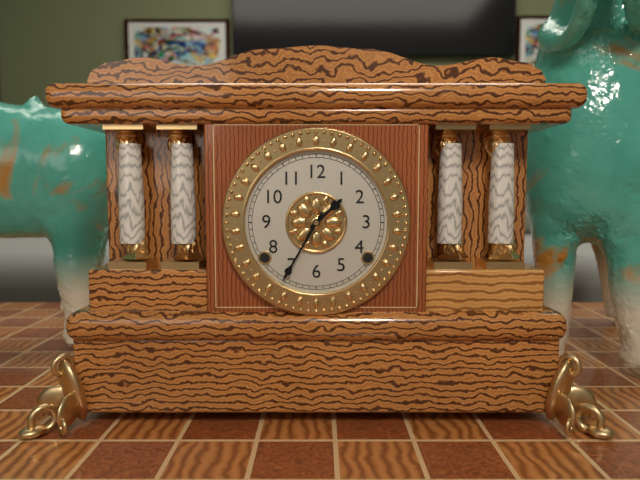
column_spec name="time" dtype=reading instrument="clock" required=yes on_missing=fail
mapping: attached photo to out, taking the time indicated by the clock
1:35
